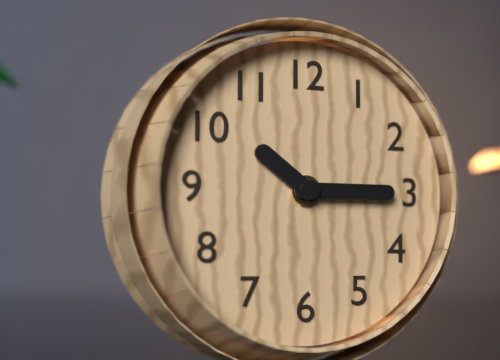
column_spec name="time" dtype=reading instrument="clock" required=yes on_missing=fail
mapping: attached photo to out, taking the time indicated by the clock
10:15
